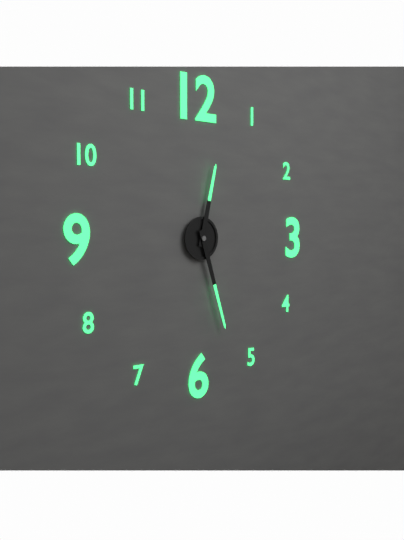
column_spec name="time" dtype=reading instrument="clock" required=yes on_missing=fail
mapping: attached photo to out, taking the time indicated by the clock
12:27
